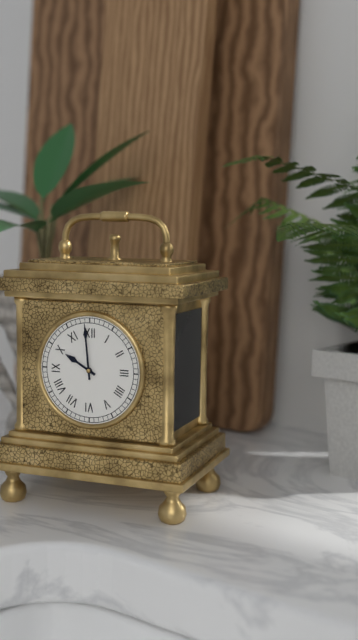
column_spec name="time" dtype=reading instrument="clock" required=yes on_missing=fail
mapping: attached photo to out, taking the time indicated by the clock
9:59
